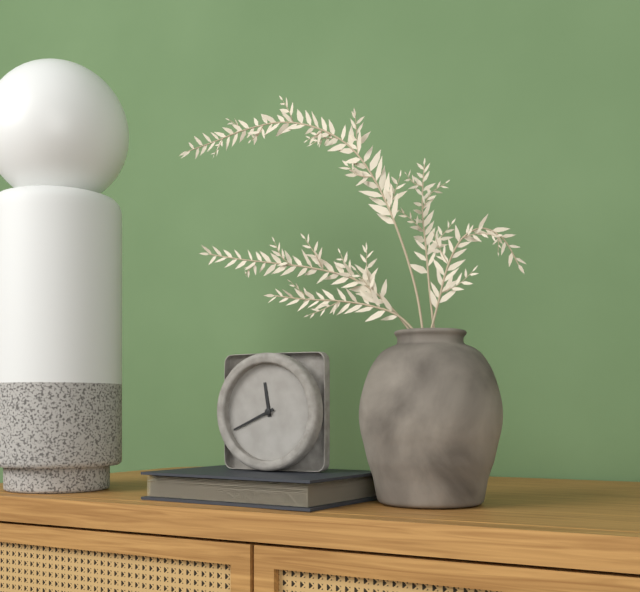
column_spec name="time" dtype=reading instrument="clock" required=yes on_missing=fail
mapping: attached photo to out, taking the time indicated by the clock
11:41
